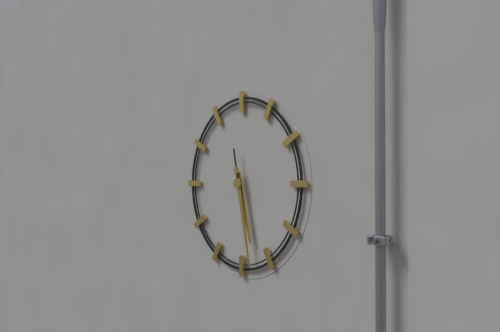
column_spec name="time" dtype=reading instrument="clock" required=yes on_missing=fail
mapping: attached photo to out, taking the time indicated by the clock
5:28
